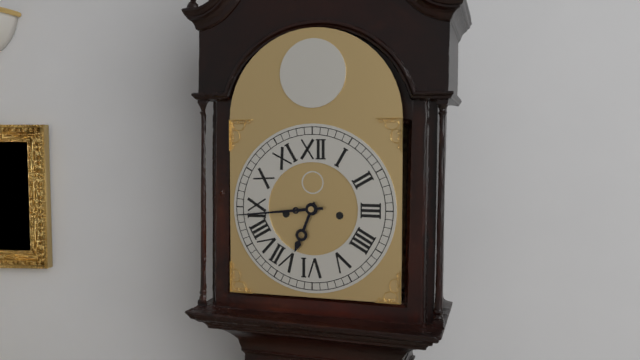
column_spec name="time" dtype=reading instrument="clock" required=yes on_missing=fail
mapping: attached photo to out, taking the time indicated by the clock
6:44
